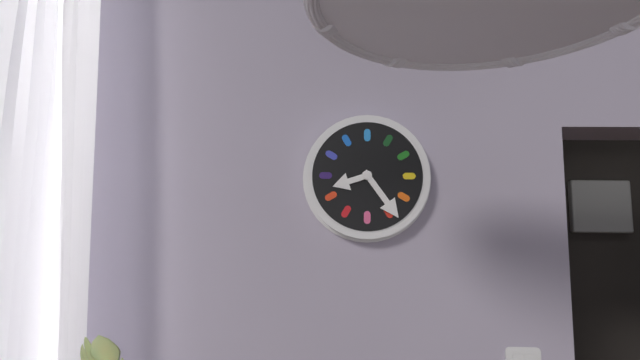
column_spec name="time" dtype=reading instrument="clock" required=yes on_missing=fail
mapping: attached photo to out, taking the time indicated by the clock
8:24
